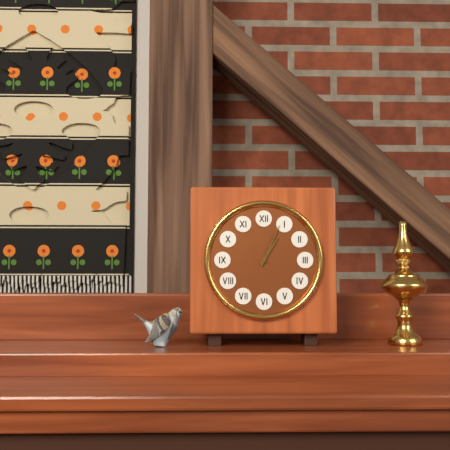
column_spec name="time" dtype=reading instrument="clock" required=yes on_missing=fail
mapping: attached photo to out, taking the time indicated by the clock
1:04
